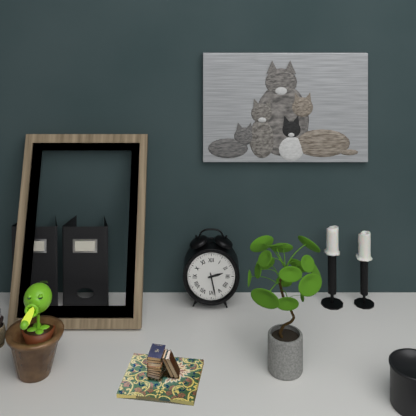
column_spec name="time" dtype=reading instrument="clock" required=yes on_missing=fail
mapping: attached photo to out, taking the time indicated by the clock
2:28
